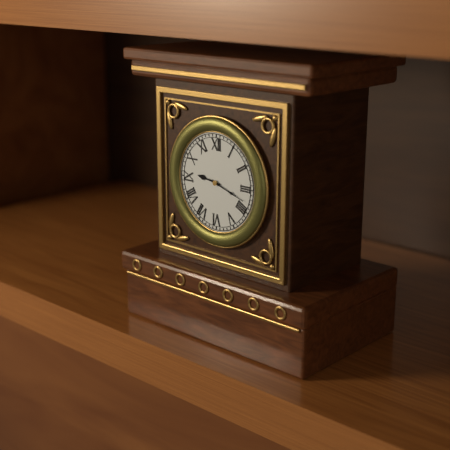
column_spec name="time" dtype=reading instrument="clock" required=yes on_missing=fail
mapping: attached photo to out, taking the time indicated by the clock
9:18
